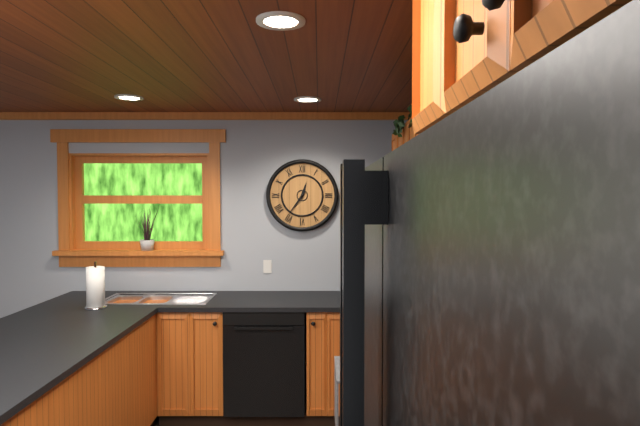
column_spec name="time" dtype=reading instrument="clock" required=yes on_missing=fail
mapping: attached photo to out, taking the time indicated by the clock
12:36
